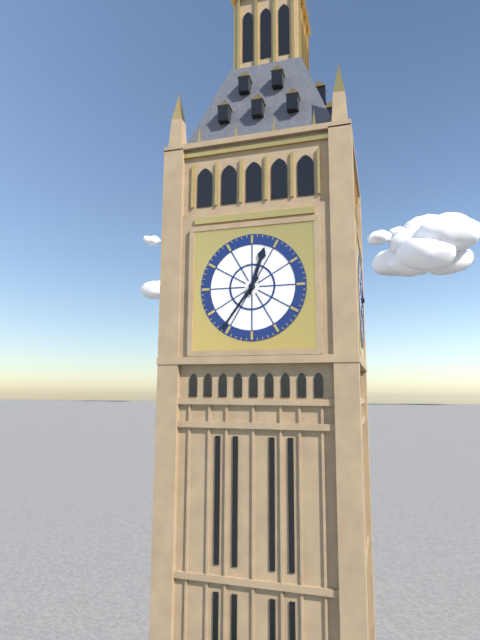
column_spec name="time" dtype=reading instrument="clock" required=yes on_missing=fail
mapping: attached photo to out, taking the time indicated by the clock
12:36
